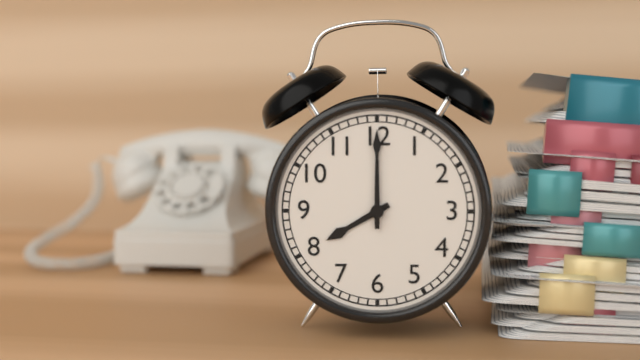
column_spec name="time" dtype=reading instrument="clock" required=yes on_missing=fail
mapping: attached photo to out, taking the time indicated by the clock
8:00
